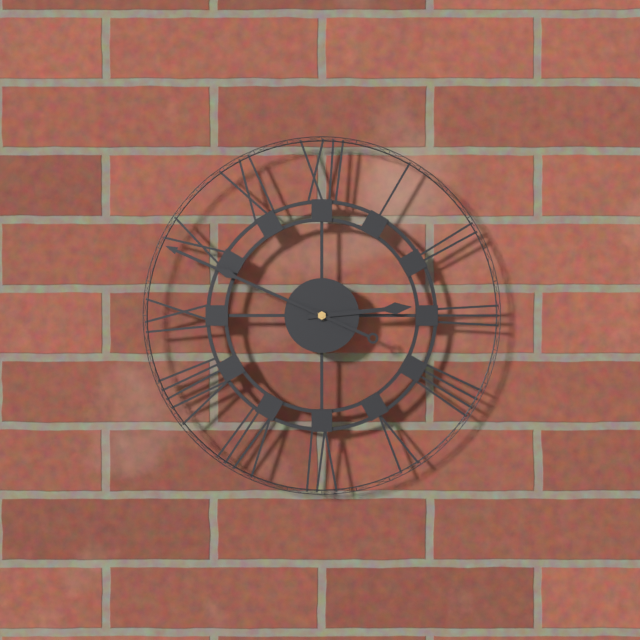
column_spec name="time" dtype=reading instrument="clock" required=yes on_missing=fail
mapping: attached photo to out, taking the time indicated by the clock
2:49
